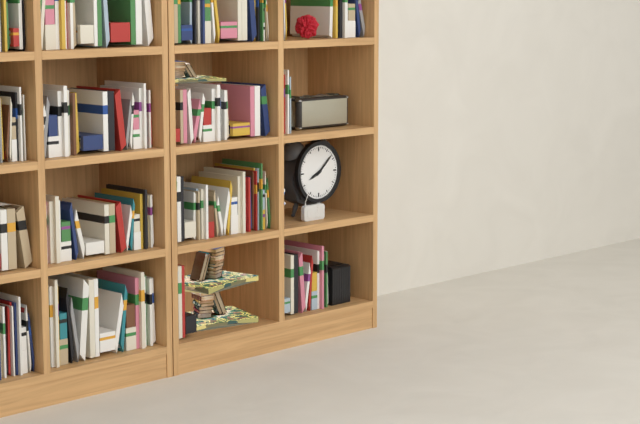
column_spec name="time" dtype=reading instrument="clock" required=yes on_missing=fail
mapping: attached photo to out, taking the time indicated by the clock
8:08
